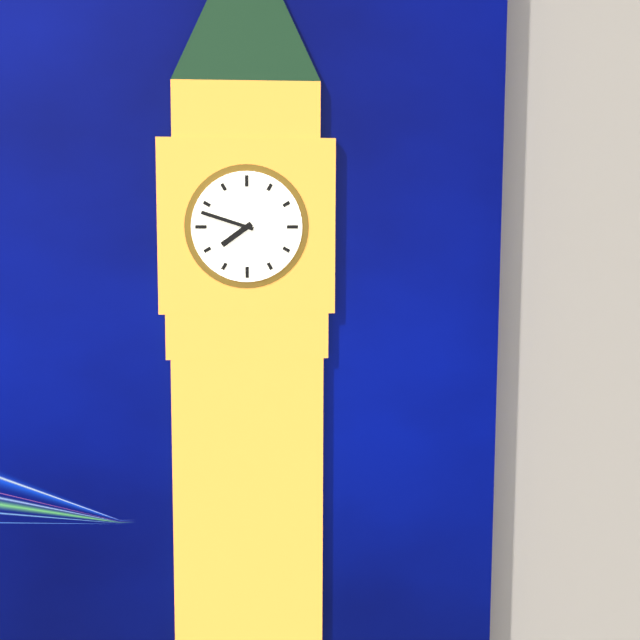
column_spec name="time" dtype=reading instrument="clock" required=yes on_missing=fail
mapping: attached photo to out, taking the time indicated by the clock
7:48
